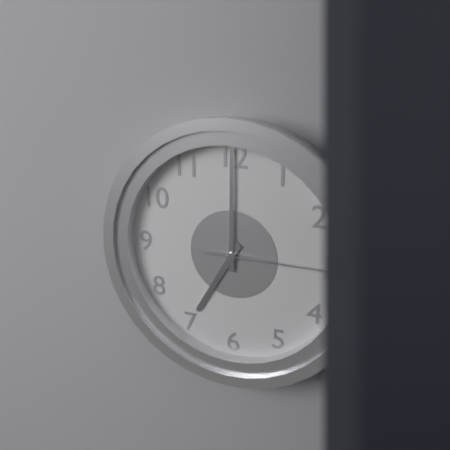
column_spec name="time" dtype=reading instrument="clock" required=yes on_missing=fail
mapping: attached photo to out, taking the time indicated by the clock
7:00:15
